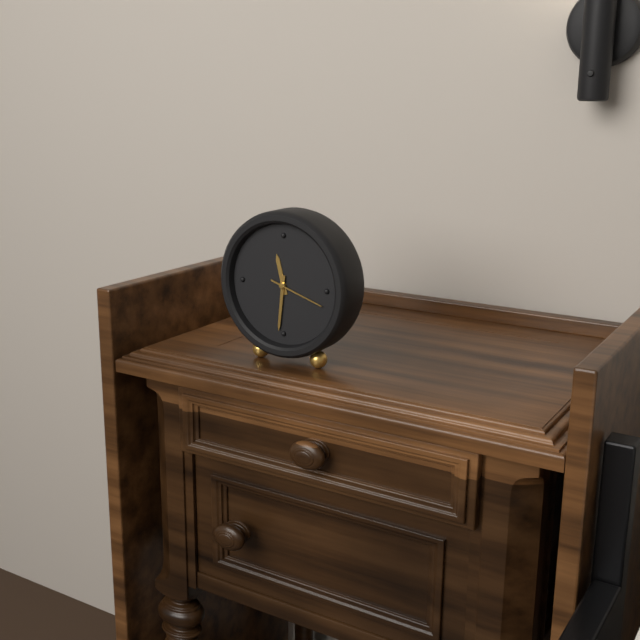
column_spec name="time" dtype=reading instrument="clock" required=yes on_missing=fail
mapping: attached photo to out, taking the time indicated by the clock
11:31:18
